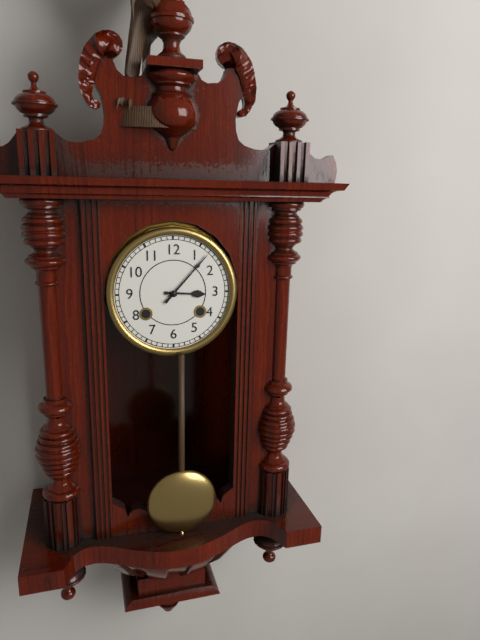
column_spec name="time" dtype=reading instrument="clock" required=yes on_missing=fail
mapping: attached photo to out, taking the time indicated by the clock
3:07
